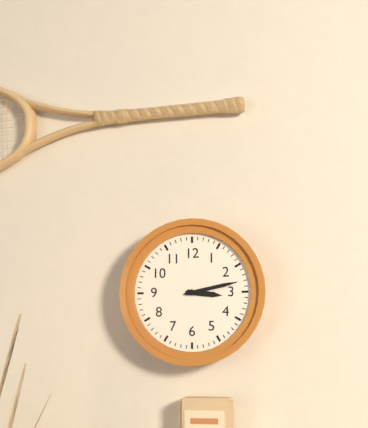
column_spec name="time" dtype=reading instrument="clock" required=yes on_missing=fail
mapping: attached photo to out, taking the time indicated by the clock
3:13
